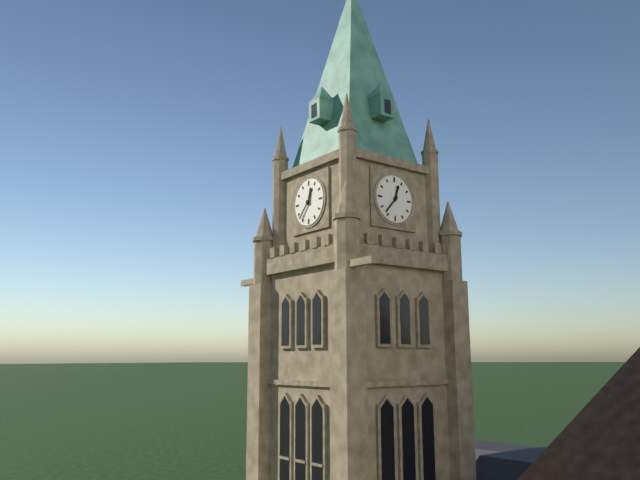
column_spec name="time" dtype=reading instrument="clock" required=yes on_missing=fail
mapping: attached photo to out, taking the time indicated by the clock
12:37
